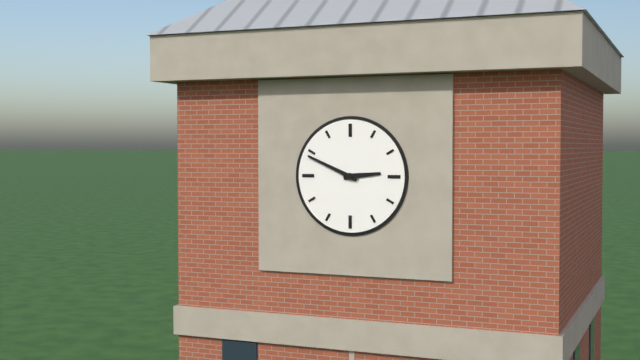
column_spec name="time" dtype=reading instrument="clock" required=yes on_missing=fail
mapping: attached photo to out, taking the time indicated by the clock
2:49
